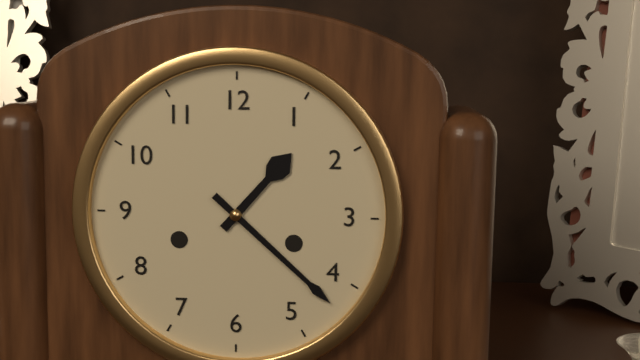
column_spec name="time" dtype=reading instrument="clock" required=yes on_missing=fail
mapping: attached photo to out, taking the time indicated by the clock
1:22
